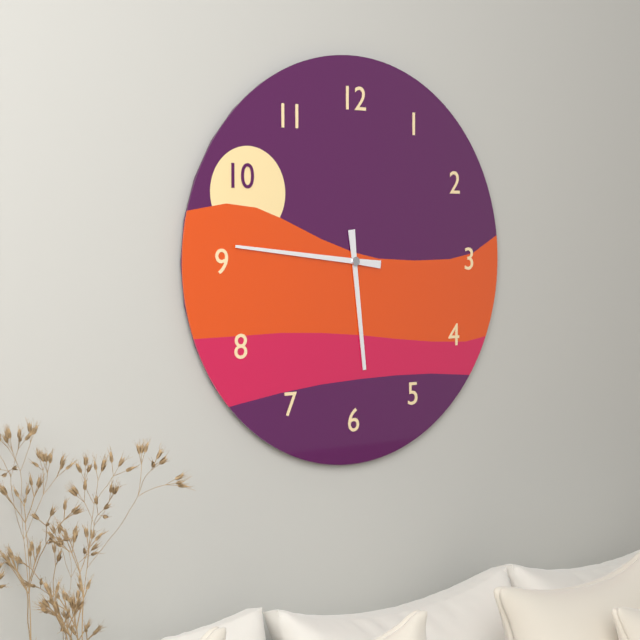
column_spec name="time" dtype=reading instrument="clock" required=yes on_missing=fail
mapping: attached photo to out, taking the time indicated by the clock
5:46
